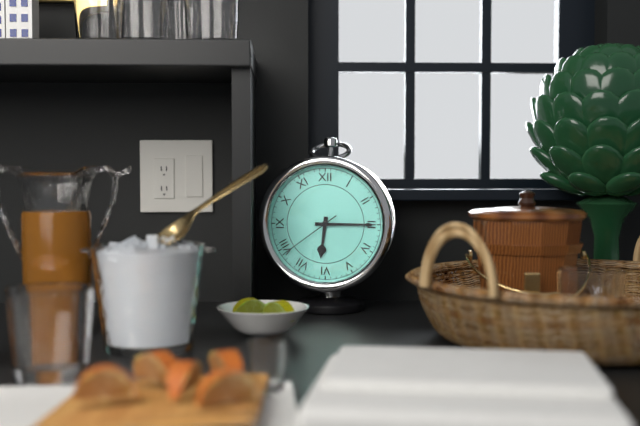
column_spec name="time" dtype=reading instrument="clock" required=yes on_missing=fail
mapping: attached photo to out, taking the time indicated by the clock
6:15:39
